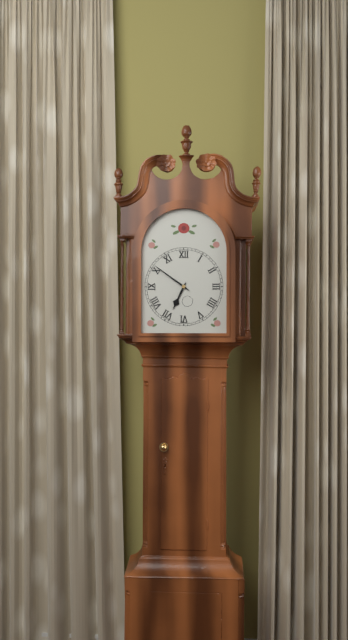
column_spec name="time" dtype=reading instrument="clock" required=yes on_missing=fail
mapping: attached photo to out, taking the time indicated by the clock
6:51
